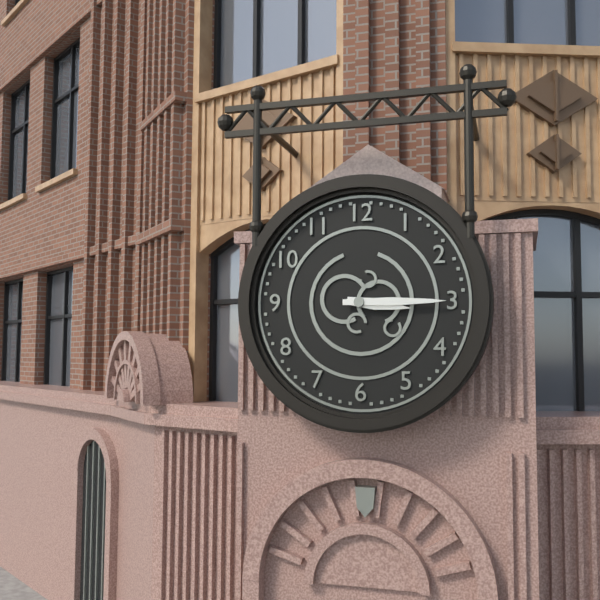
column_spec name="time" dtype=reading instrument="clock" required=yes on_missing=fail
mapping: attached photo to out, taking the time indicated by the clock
3:15
